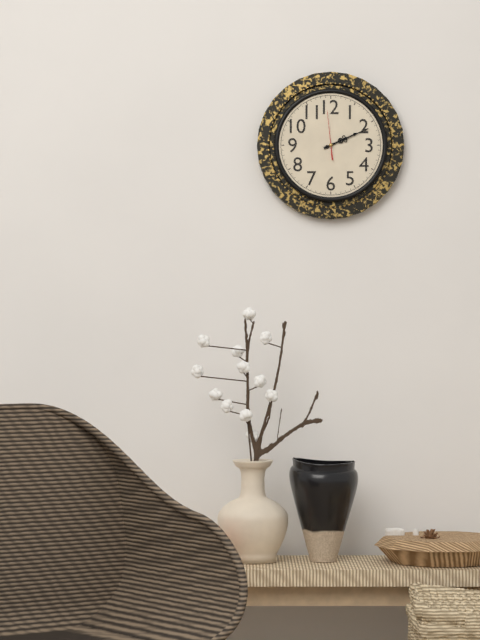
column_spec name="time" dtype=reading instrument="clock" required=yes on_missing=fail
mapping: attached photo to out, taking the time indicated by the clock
2:11
